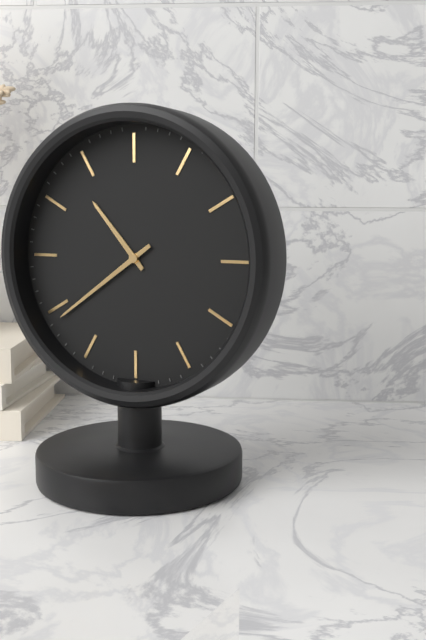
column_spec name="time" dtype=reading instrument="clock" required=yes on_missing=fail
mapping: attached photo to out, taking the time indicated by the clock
10:39
